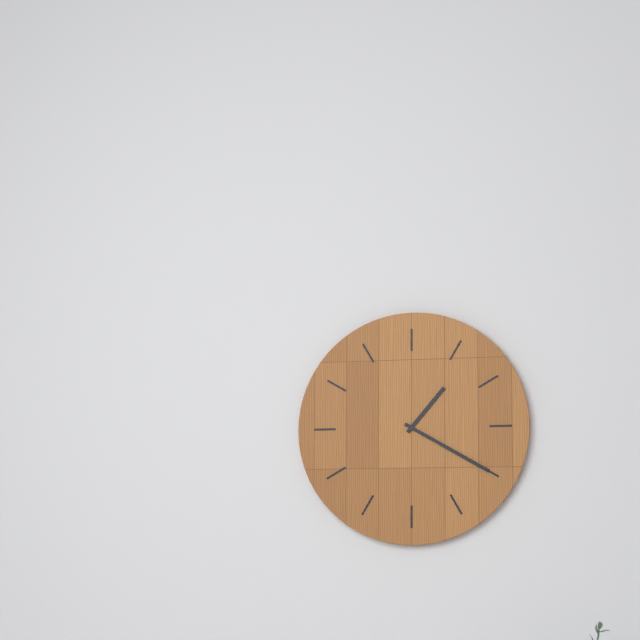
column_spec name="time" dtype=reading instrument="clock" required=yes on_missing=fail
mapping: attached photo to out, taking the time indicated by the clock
1:20
